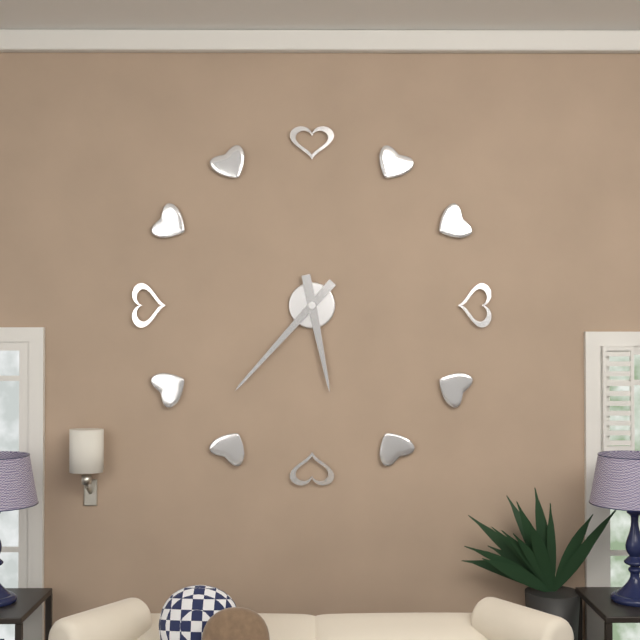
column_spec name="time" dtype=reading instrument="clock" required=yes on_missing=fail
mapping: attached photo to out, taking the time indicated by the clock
5:37
